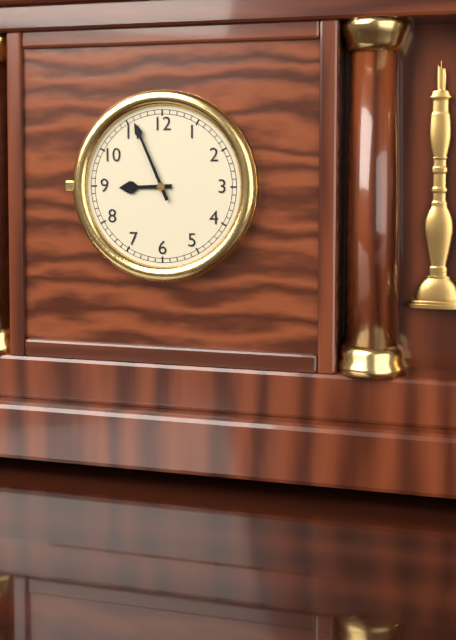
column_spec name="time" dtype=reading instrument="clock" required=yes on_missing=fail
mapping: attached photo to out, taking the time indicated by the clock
8:56
